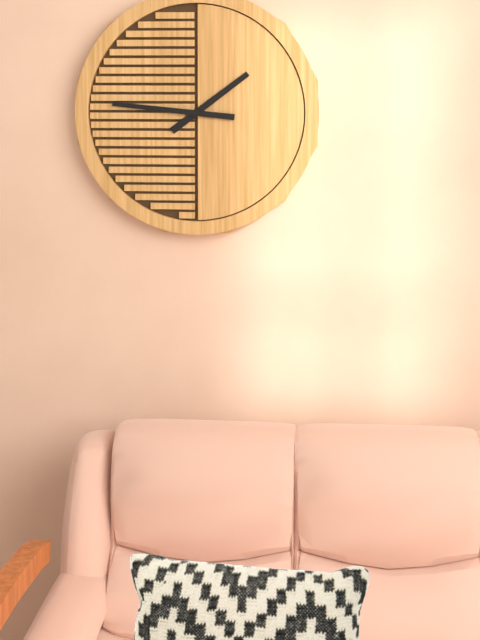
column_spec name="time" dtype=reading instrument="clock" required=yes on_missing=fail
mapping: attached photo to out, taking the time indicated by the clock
1:46
